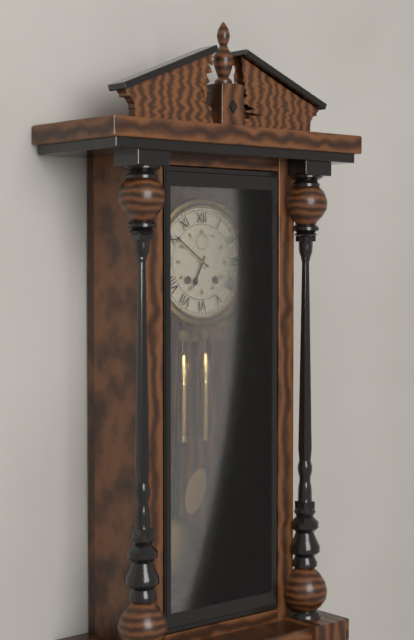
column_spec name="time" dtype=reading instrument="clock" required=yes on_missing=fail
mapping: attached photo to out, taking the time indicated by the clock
6:51
